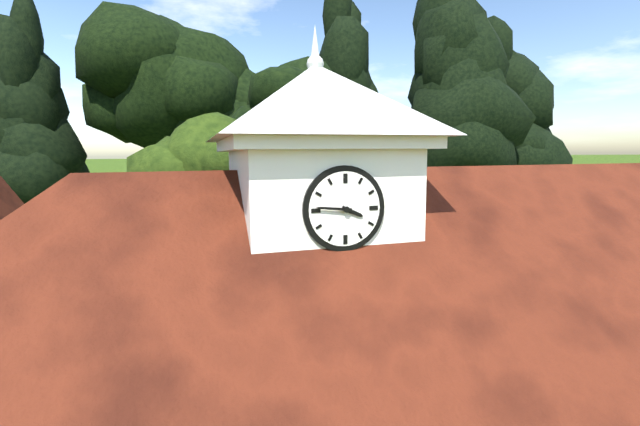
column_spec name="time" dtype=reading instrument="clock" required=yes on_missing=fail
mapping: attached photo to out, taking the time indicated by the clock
3:46
